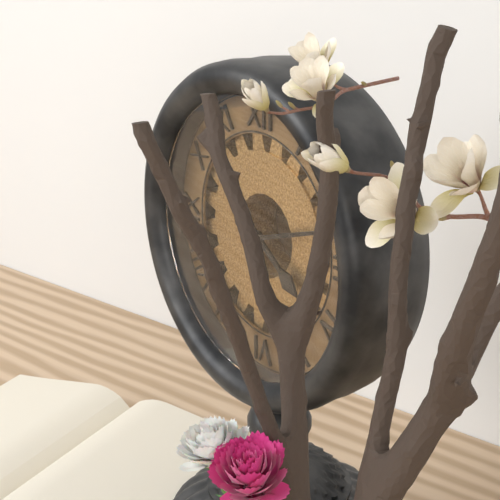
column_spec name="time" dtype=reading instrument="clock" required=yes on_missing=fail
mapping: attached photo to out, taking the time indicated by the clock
4:12
